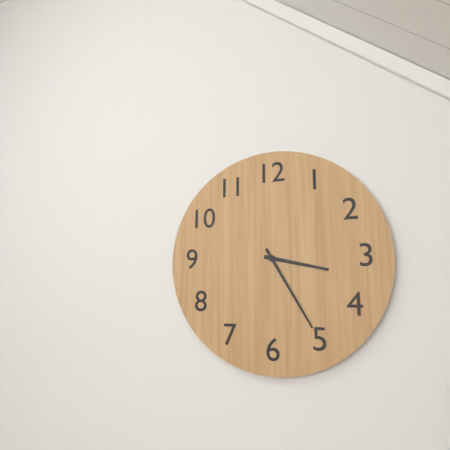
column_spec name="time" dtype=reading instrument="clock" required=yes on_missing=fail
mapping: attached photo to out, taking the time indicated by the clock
3:25
